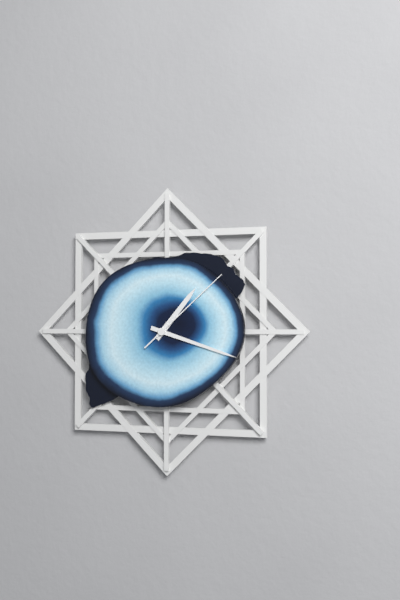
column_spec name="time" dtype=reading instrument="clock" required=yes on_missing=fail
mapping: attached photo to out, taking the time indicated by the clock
1:18:08
